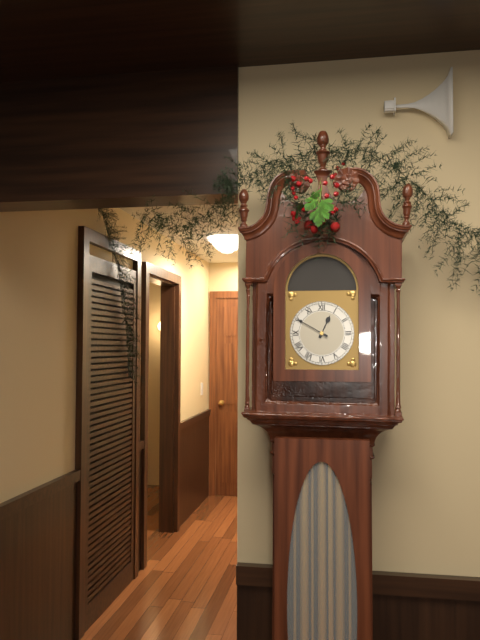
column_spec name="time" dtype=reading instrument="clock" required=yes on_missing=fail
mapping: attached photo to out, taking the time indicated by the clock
12:50
